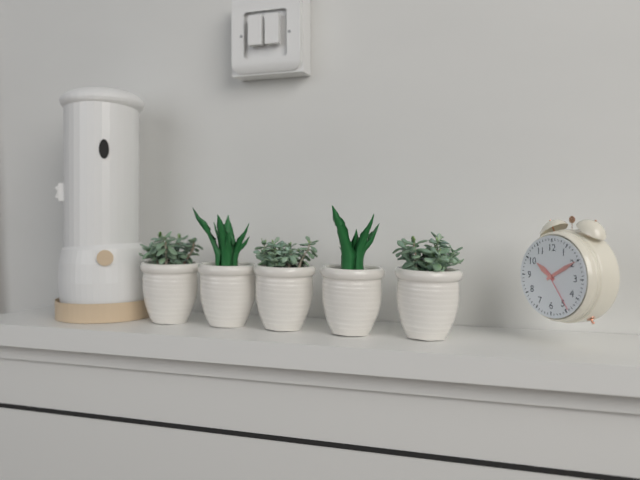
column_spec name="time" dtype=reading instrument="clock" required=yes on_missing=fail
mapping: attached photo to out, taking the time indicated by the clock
10:10
